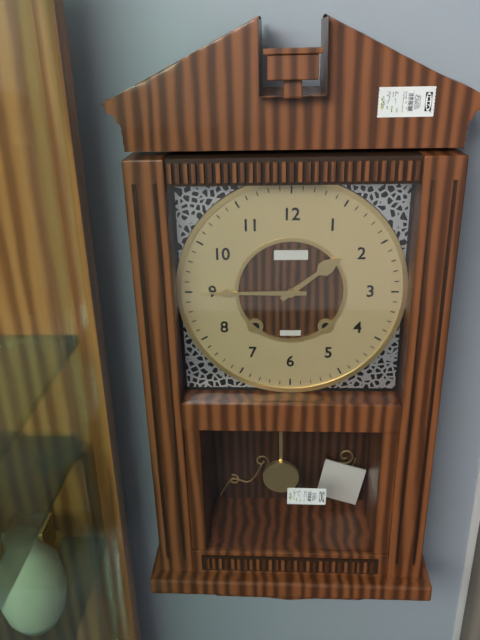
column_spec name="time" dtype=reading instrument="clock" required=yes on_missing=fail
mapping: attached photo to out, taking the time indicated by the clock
1:45
